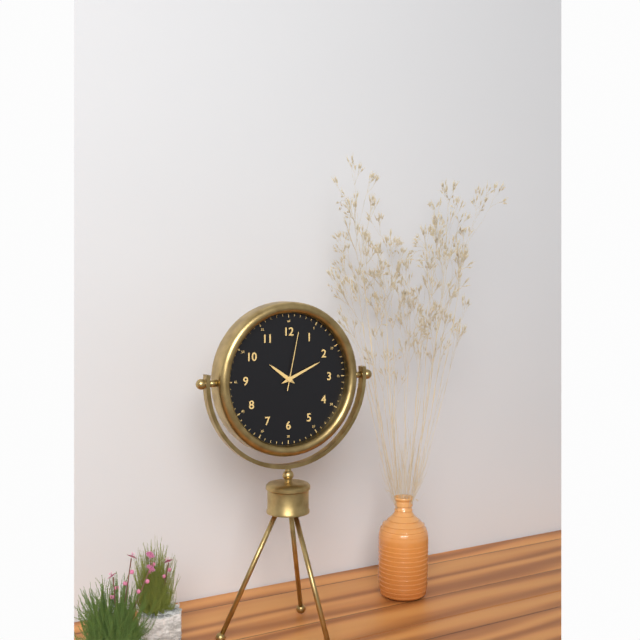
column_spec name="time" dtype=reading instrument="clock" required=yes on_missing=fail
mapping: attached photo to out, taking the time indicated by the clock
10:11:02
